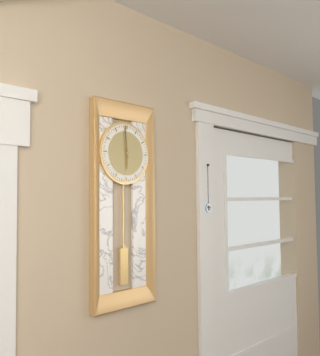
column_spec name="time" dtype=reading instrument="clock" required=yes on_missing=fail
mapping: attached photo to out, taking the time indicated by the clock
5:59
